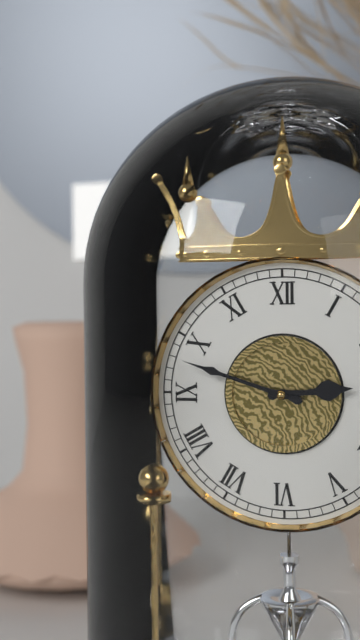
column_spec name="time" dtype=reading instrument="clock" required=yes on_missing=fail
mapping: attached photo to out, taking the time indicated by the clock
2:48
